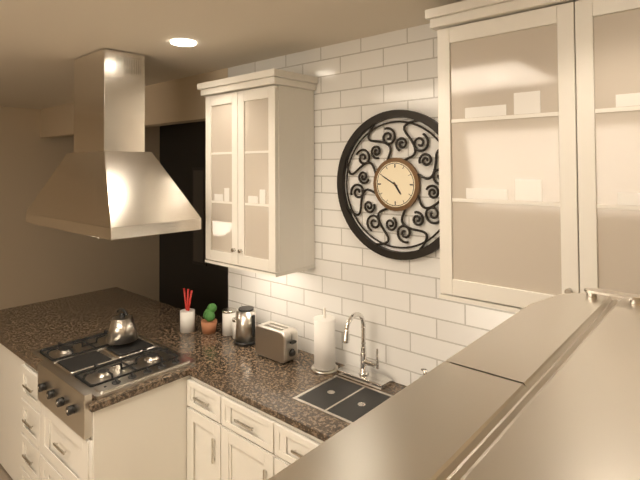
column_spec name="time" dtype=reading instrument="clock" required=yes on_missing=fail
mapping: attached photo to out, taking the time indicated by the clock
4:50
